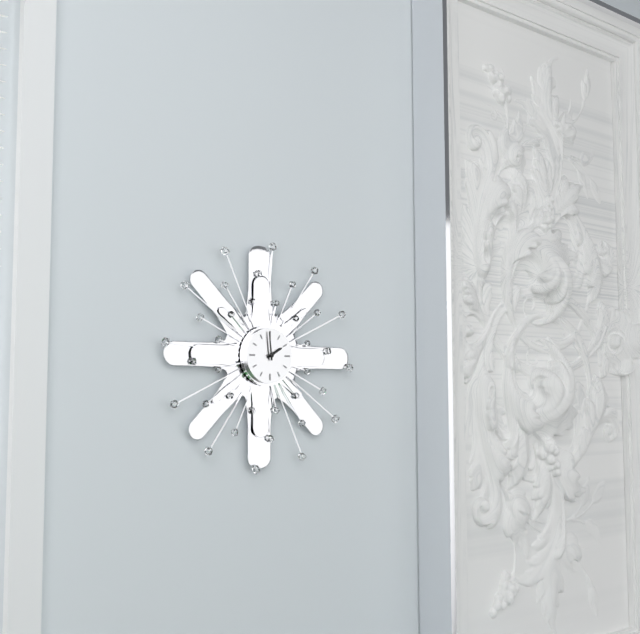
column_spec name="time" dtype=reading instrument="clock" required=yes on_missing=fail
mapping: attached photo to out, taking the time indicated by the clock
1:59
